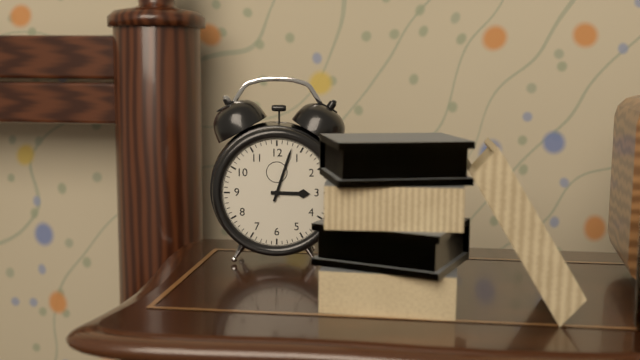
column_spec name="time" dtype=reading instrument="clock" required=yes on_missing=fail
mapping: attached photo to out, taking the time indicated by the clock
3:03
